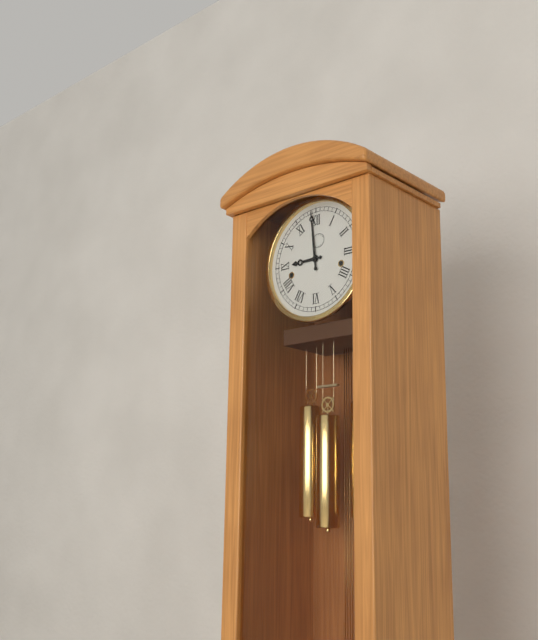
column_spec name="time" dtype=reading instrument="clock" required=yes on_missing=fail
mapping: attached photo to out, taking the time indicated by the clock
8:59
